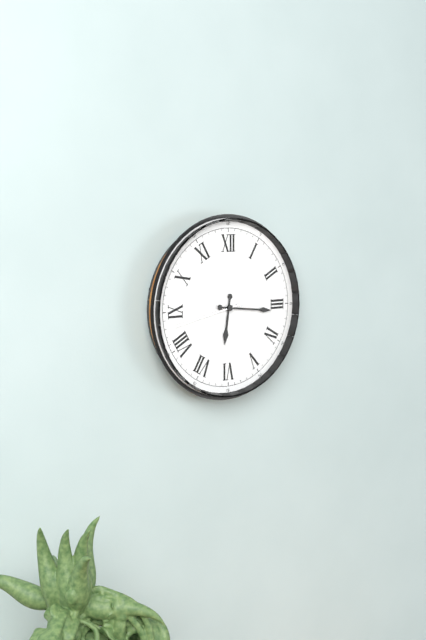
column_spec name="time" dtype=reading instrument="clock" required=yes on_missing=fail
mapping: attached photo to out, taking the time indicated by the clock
6:16:43
